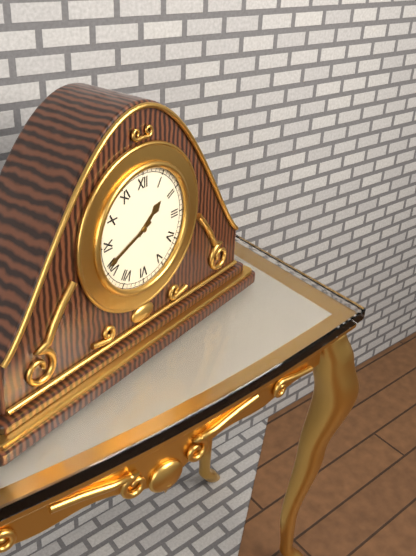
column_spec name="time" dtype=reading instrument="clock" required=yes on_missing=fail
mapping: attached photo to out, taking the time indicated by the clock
1:41
